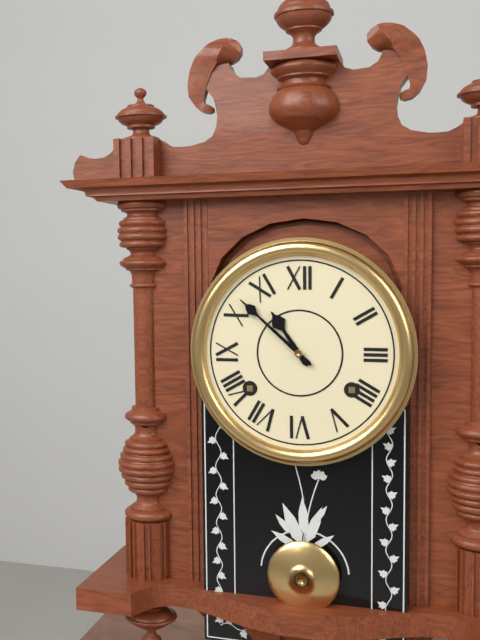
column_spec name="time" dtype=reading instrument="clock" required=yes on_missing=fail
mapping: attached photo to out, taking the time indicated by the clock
10:52
